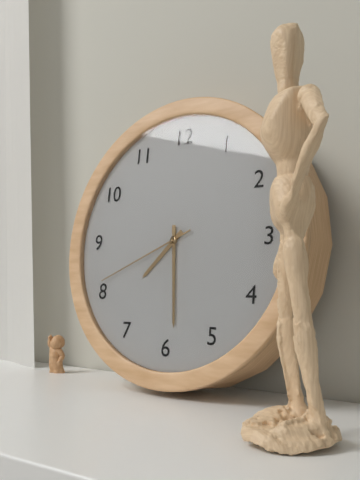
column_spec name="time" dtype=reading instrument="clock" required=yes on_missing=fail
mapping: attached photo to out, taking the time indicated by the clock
7:29:41
